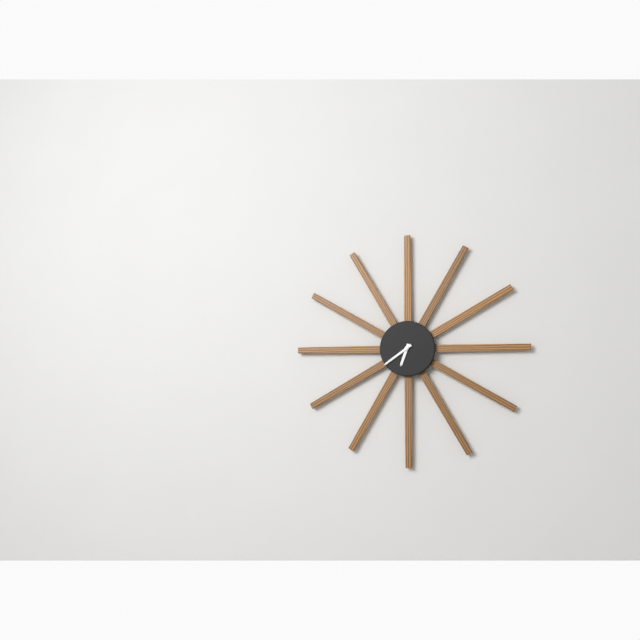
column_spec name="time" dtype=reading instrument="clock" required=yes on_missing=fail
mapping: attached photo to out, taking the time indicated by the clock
6:39
